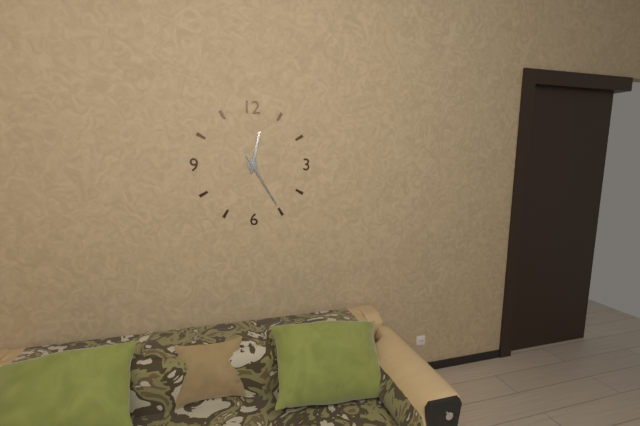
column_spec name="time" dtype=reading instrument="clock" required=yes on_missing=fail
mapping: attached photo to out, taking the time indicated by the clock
12:25
